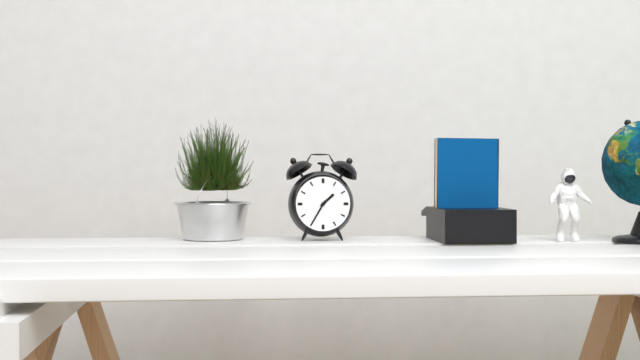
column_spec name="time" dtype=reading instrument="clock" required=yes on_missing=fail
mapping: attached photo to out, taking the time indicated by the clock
1:35
